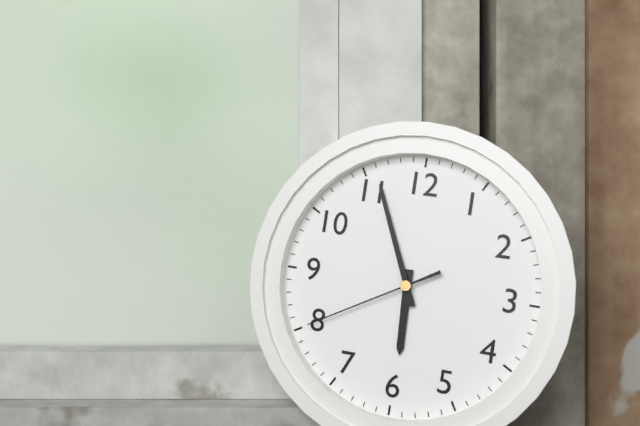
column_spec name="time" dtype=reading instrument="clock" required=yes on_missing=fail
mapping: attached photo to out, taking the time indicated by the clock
5:56:40
